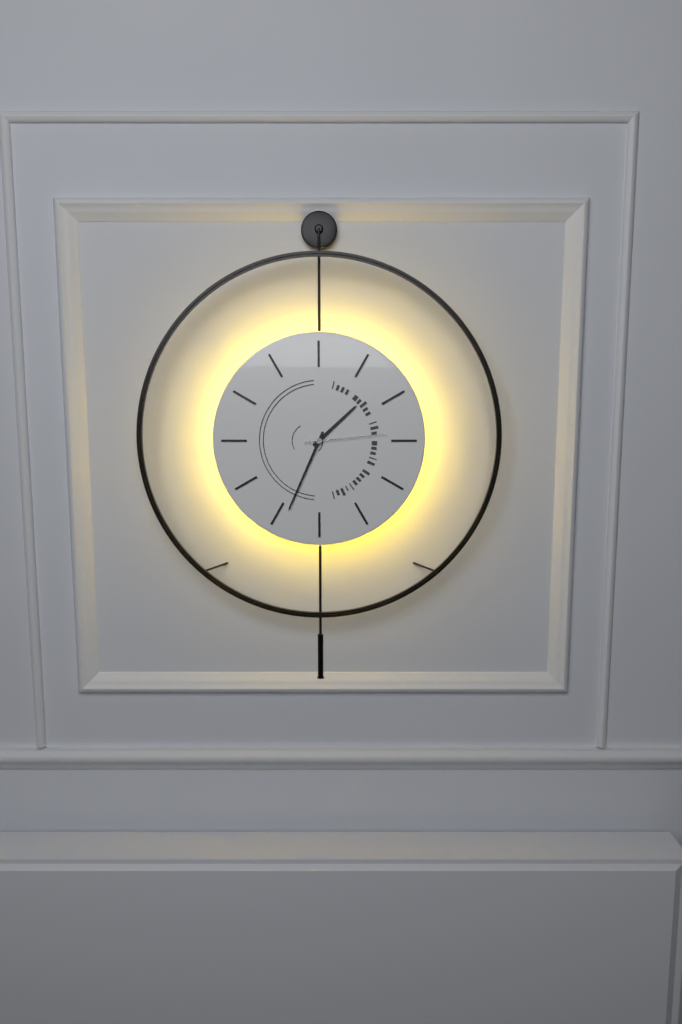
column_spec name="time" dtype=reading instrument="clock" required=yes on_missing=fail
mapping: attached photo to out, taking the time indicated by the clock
1:34:14
